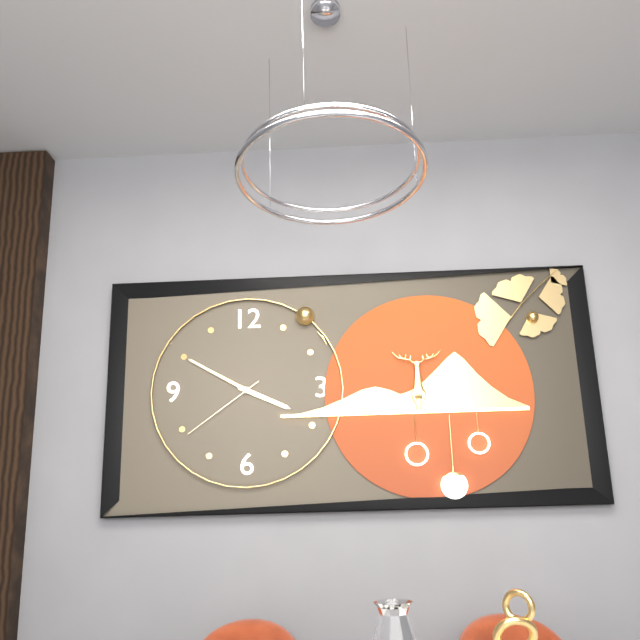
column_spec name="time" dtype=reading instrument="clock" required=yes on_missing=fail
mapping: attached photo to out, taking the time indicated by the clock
3:50:39
